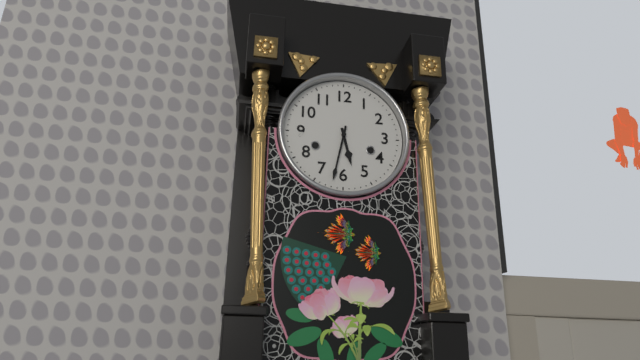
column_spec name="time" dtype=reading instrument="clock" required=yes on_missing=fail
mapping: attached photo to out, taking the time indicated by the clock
5:32
